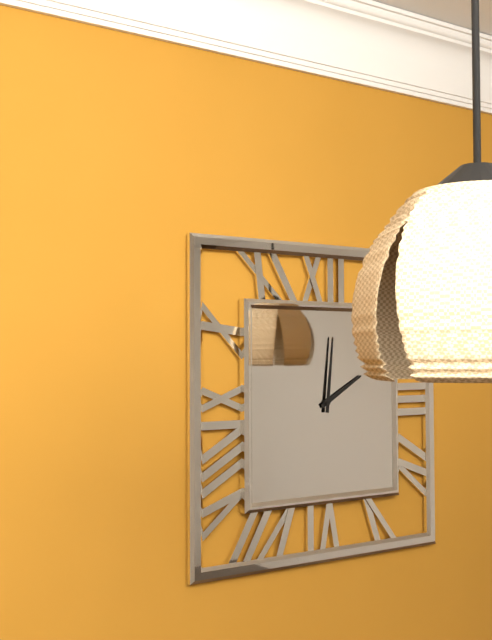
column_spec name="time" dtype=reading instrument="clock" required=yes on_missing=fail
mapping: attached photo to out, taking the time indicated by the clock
2:01
